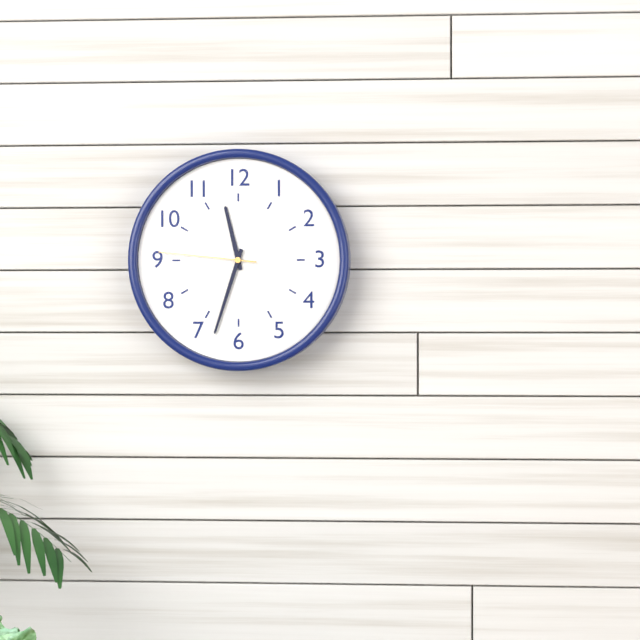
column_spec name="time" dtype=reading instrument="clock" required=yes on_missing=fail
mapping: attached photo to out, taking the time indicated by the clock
11:33:46
